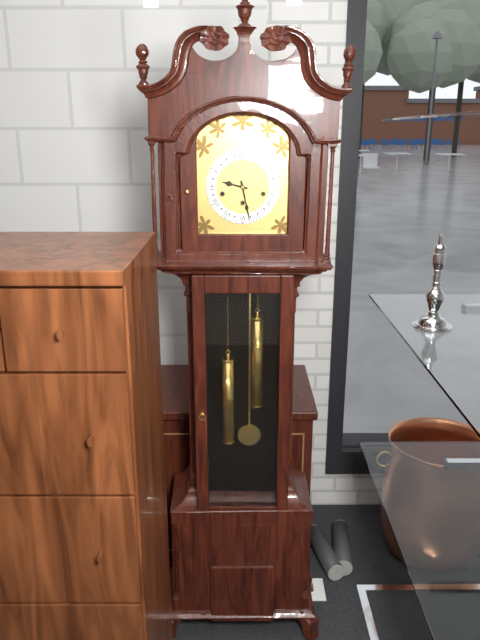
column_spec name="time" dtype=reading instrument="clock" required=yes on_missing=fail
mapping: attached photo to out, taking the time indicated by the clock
9:28
